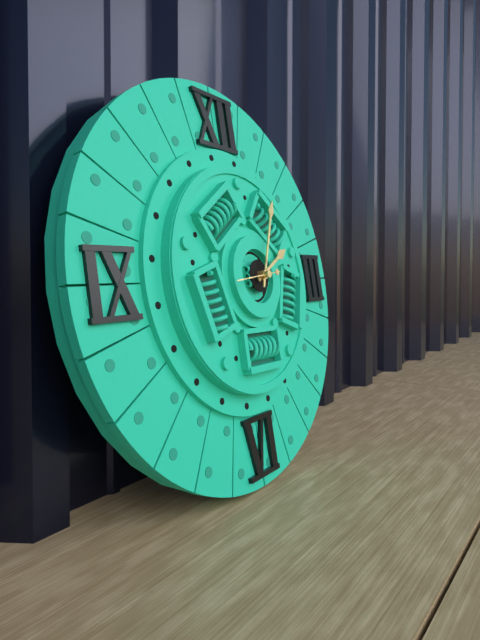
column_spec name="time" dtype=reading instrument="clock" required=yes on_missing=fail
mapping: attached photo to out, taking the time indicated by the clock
2:04
